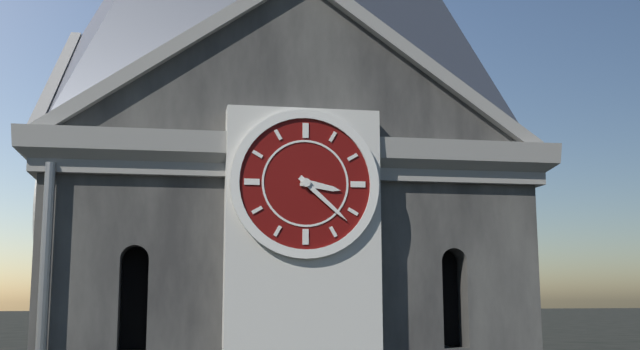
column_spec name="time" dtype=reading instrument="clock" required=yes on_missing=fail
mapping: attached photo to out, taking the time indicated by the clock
3:22
